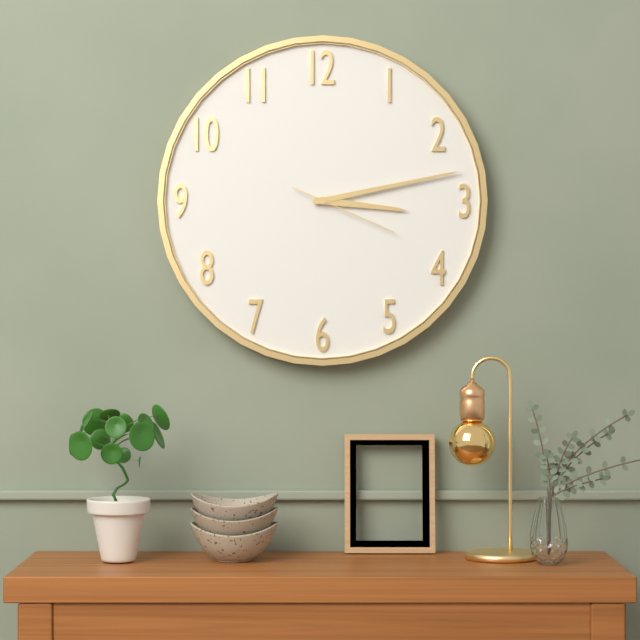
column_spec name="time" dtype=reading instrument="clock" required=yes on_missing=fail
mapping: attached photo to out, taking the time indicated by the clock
3:13:19
